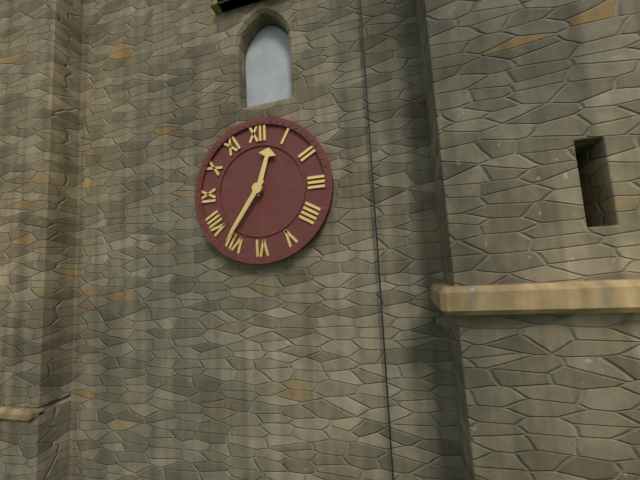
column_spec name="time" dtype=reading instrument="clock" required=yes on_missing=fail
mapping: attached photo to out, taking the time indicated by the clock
12:36
